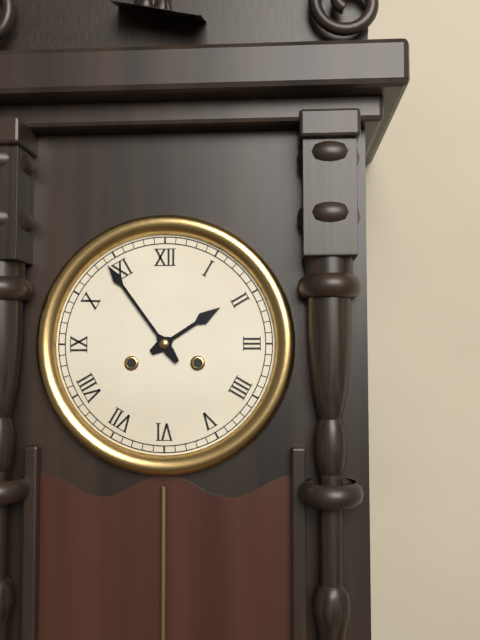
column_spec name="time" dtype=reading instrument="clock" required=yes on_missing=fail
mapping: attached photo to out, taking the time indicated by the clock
1:54
